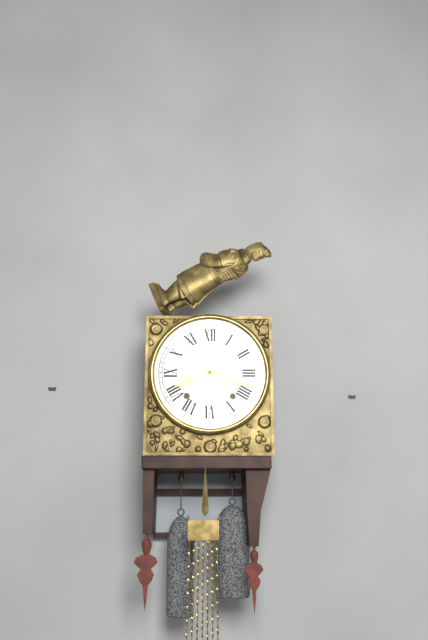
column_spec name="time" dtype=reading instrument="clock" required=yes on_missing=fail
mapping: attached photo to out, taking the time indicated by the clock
8:18
